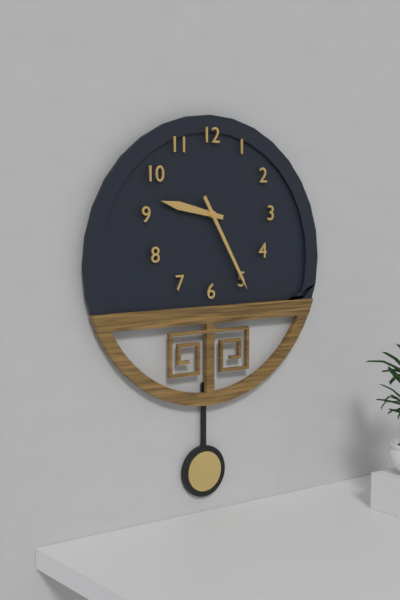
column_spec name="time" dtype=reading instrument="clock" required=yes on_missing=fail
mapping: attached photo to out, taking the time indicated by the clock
9:25
